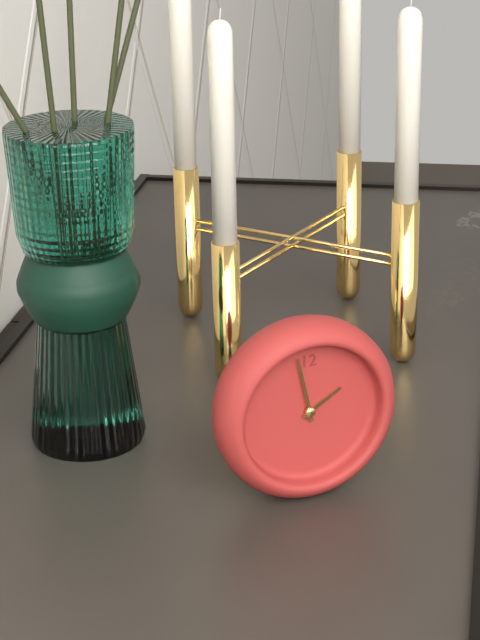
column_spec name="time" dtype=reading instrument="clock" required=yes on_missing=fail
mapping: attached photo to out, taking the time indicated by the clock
1:58
